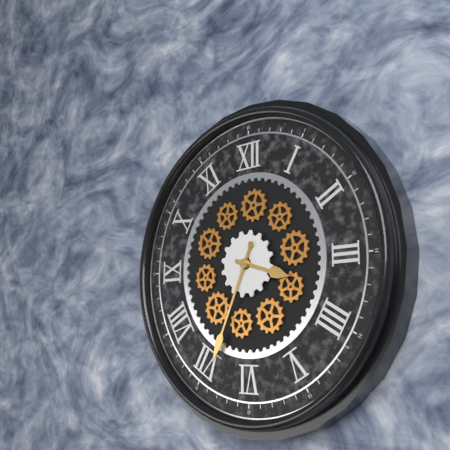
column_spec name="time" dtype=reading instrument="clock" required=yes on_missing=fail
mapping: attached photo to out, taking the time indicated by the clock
3:34
